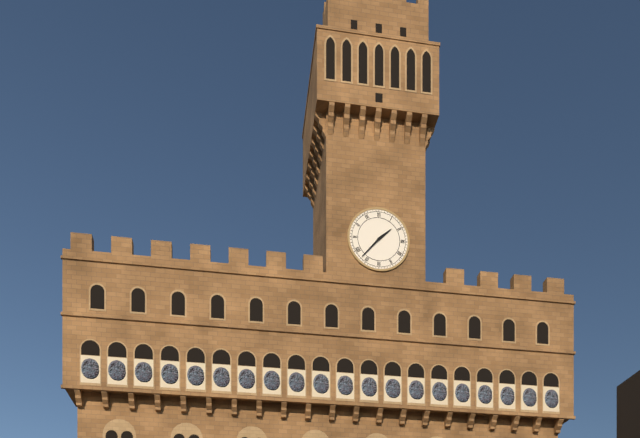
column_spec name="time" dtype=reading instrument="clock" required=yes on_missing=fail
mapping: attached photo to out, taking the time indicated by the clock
1:37
